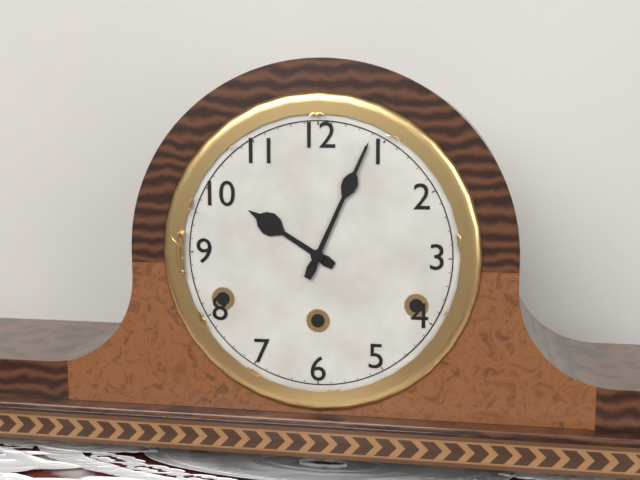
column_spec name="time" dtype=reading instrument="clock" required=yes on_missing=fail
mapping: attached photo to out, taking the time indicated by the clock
10:04
